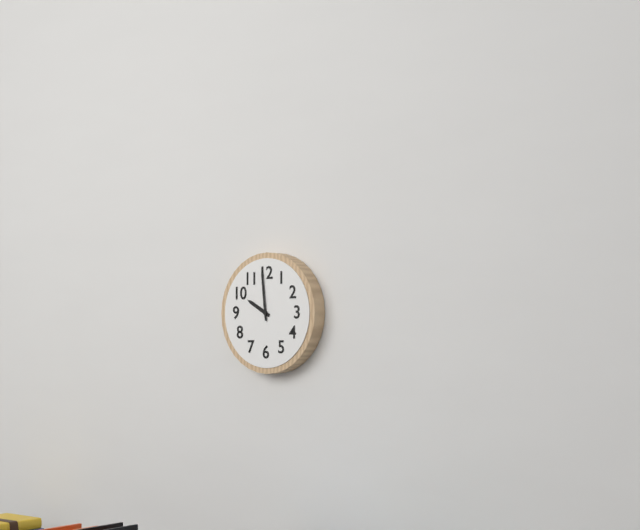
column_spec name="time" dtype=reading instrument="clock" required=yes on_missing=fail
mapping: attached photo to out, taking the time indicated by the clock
9:59
